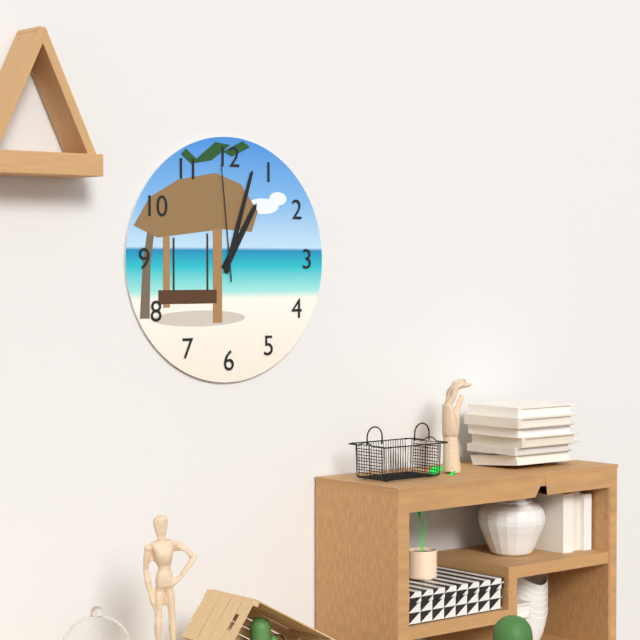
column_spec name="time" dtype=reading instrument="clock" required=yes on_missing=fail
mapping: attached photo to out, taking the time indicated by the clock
1:03:59
